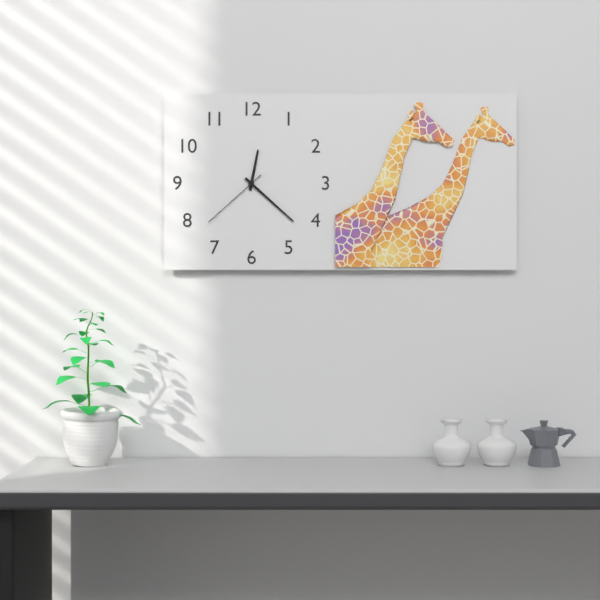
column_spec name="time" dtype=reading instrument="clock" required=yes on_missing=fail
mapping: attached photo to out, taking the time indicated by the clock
12:22:38
